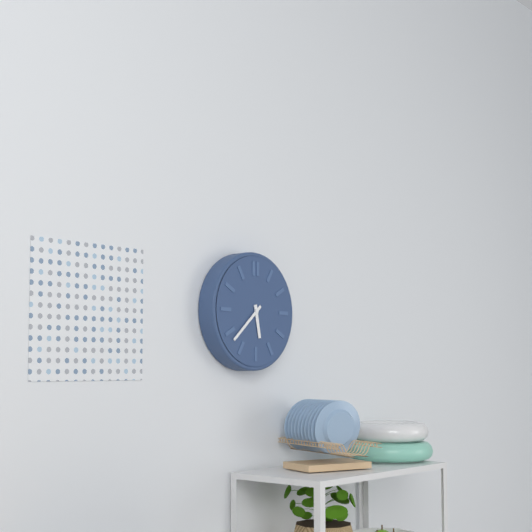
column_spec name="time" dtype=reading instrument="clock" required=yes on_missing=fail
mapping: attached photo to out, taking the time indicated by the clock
5:38
